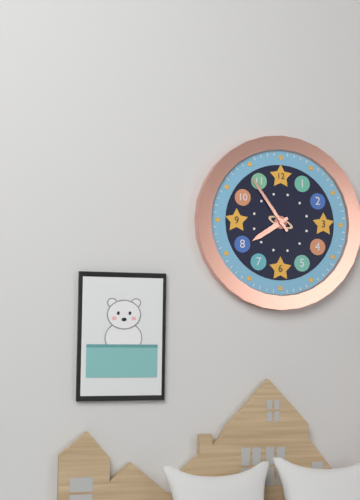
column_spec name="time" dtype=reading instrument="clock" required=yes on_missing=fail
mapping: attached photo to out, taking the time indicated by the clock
7:54
